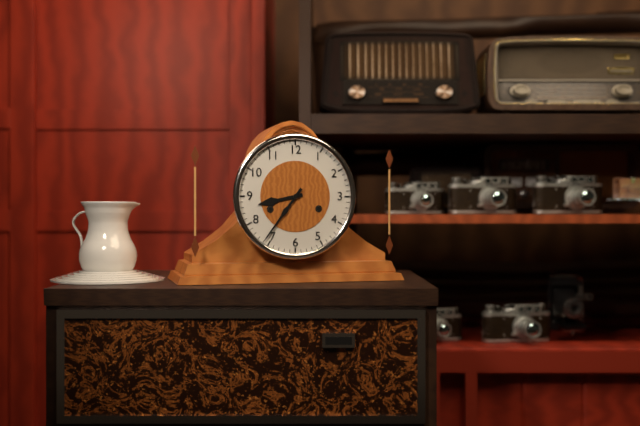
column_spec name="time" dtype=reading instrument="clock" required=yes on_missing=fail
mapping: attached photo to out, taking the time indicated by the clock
8:36
